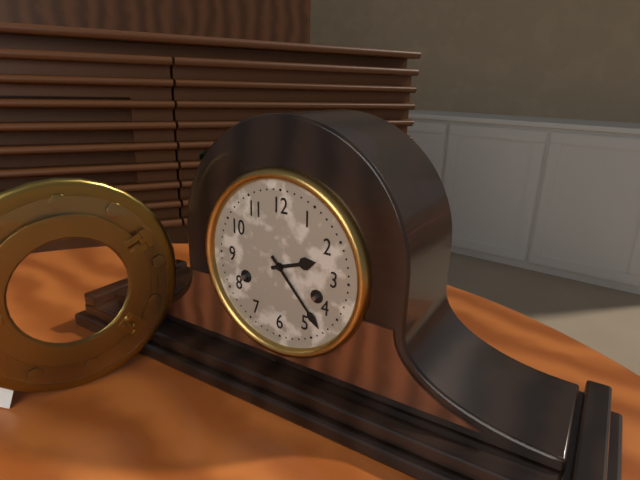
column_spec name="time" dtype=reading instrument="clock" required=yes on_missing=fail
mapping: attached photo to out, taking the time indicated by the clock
2:23
